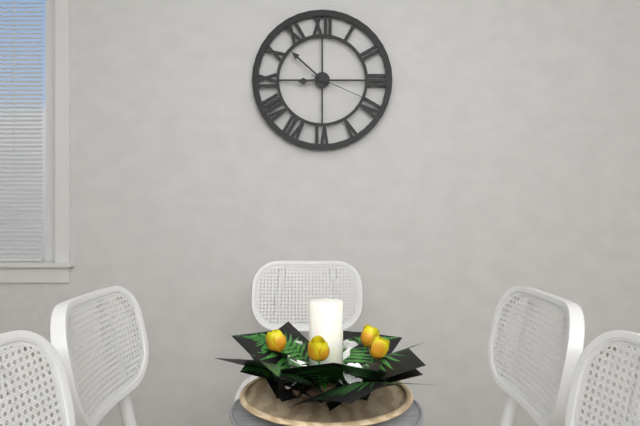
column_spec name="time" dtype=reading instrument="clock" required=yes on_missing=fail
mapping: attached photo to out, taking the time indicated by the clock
8:52:19
